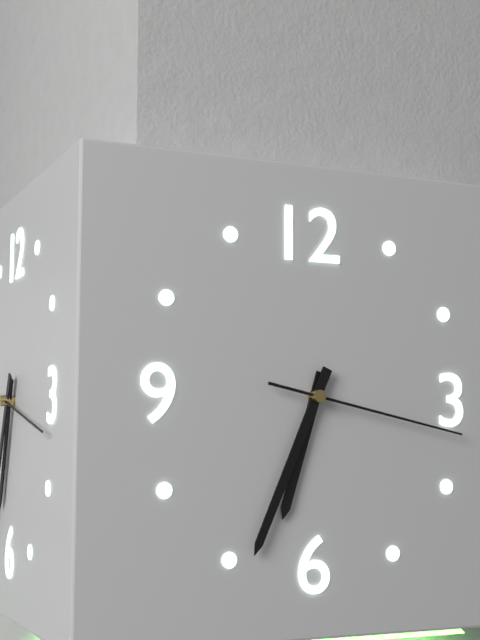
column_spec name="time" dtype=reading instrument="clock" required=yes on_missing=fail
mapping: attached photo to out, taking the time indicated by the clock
6:34:17
